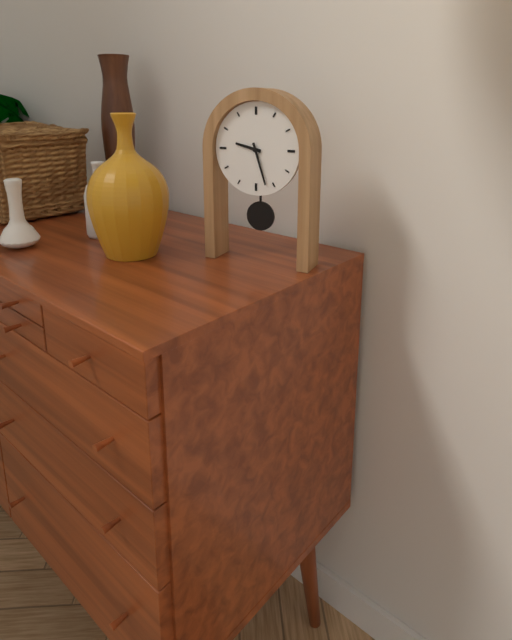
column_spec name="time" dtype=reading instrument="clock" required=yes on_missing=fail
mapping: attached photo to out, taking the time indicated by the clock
9:27
